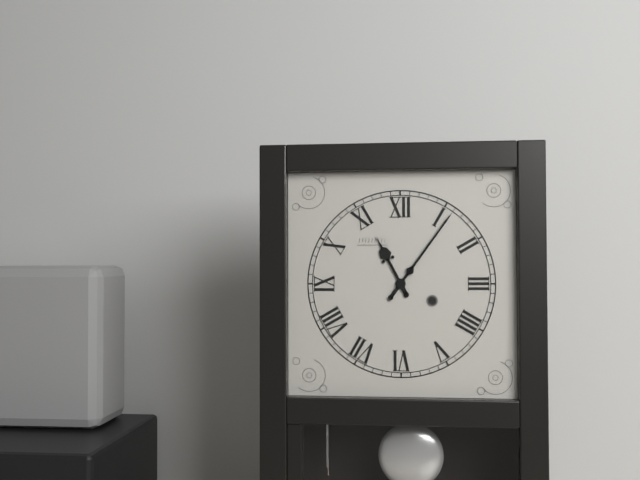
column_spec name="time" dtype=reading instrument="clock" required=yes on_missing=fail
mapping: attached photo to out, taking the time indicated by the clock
11:06
